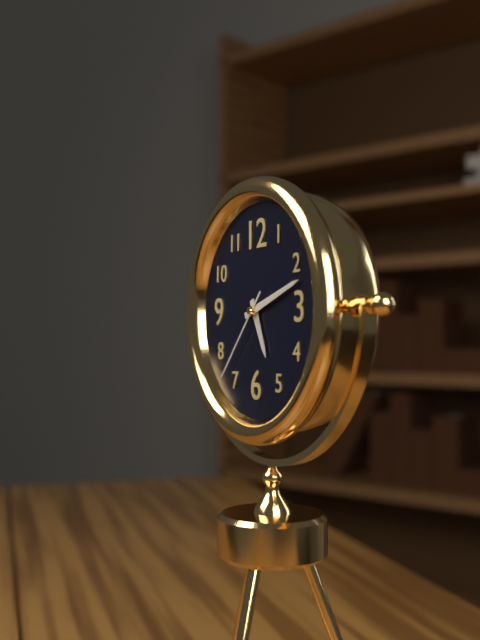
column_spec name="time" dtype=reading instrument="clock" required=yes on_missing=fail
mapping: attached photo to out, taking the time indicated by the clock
5:12:37
